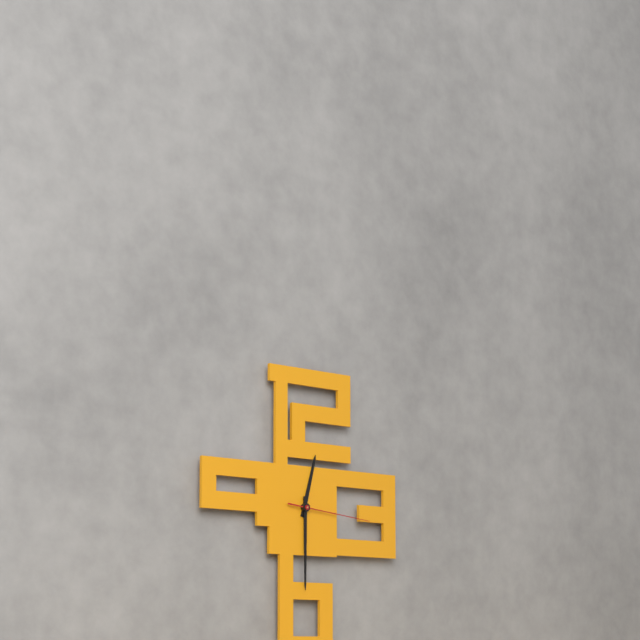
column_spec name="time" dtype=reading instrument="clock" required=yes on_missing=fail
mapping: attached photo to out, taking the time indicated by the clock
12:30:16
